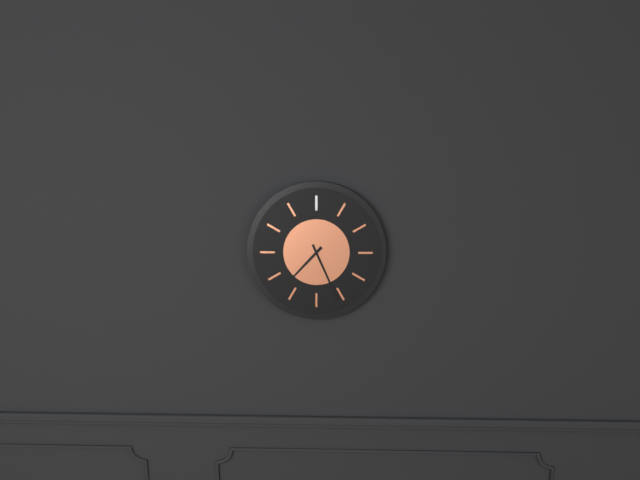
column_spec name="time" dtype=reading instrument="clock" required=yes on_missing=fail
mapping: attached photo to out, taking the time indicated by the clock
7:26
